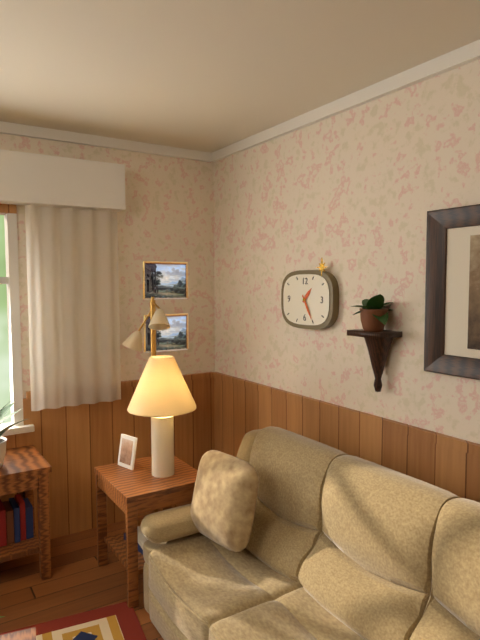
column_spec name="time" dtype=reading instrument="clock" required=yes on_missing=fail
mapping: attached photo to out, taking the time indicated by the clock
1:25
